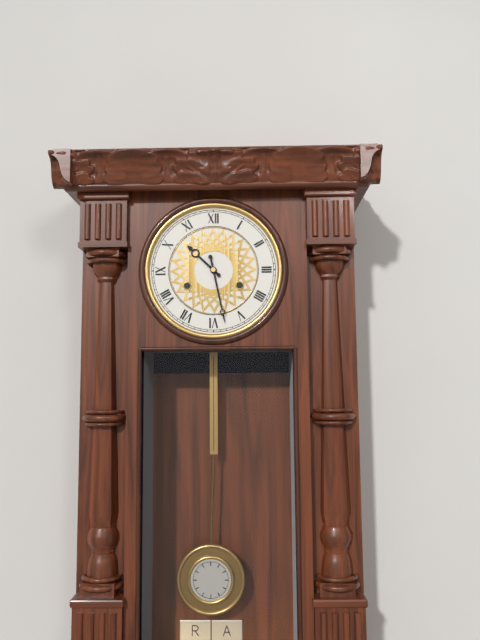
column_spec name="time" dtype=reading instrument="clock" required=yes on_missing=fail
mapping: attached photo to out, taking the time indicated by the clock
10:28
